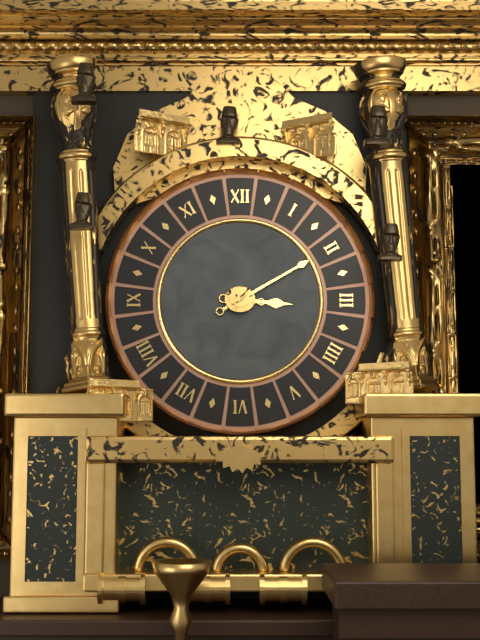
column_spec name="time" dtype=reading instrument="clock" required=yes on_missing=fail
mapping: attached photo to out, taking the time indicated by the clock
3:10
